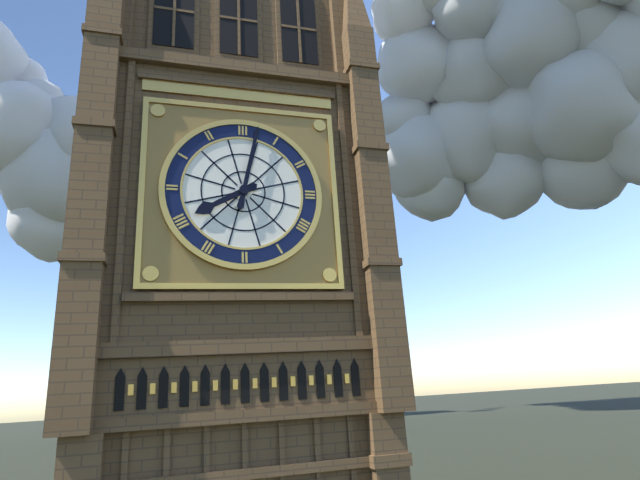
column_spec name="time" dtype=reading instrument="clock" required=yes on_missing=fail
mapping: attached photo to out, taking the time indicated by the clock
8:02
